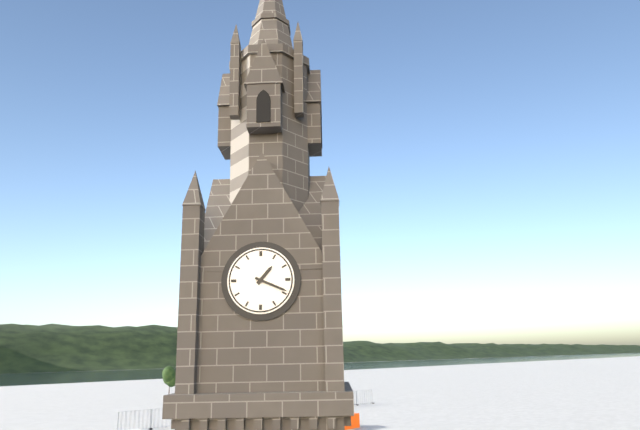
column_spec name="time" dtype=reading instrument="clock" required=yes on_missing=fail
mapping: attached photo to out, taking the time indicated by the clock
1:19
